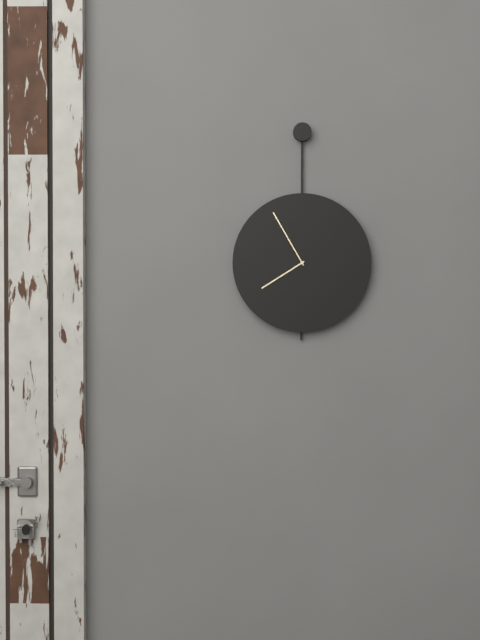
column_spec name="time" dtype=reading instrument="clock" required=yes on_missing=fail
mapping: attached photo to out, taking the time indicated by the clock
7:55
